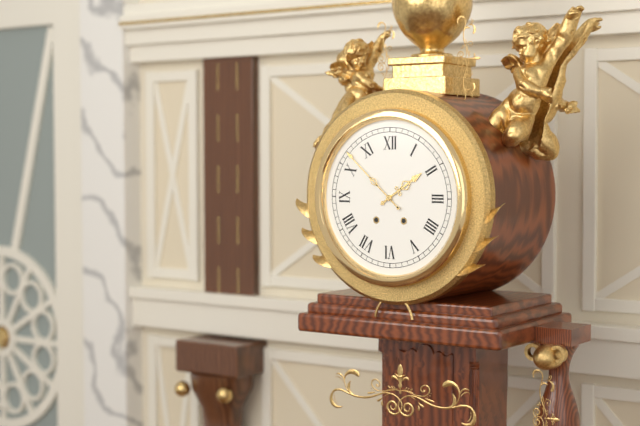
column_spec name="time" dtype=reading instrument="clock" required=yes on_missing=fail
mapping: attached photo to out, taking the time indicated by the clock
1:52
